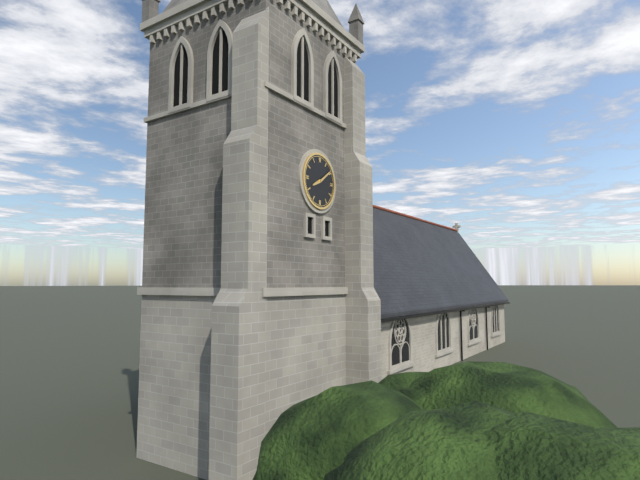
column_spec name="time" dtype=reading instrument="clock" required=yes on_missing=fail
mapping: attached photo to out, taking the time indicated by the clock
8:09
